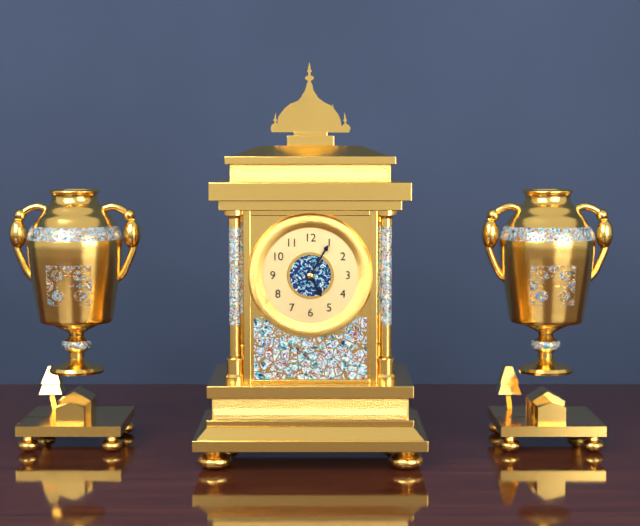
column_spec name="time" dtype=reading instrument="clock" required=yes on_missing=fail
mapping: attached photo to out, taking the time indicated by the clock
5:05
